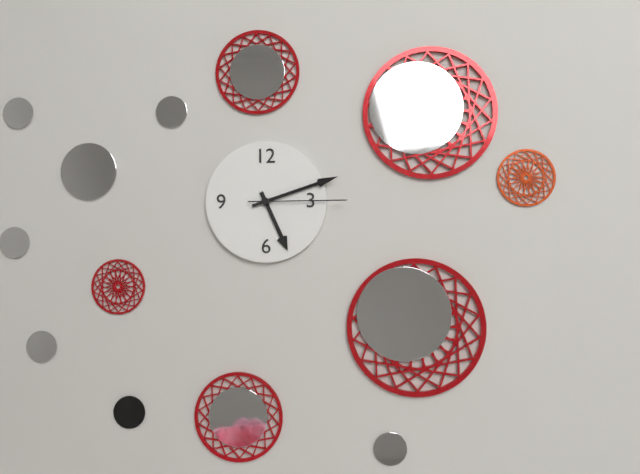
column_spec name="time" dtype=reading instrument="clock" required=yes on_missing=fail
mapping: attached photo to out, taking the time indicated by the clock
5:12:15
